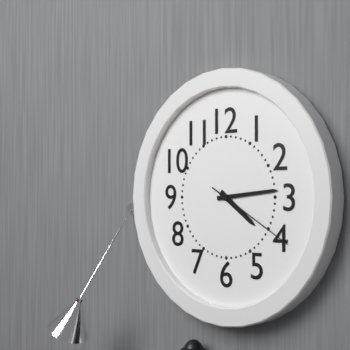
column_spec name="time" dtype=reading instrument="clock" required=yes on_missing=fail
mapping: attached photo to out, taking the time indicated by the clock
4:14:20
